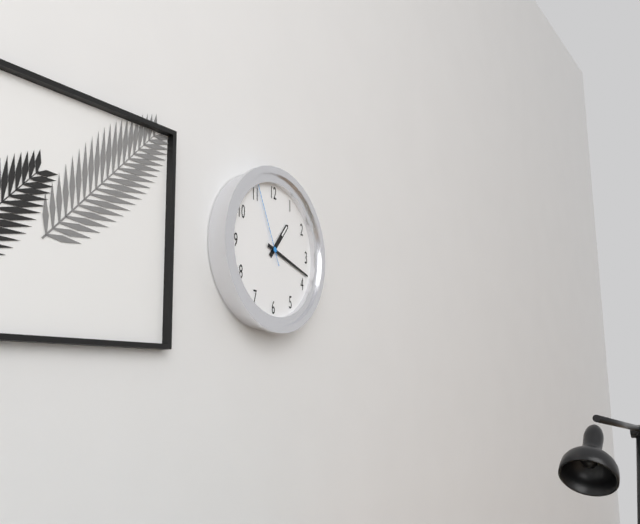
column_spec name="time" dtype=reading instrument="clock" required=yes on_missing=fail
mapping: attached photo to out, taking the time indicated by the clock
1:18:56
